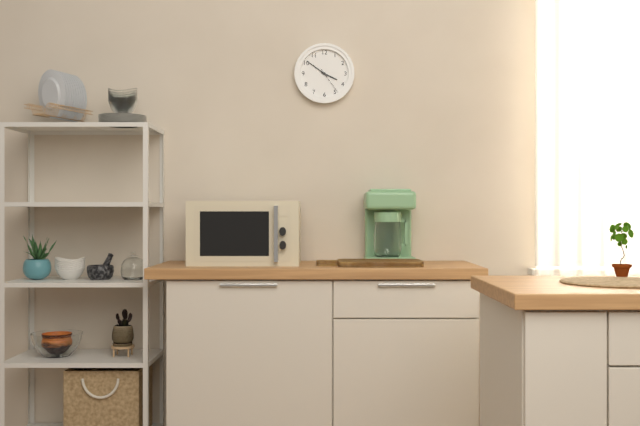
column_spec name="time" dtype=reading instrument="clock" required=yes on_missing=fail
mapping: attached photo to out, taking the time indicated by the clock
3:51
